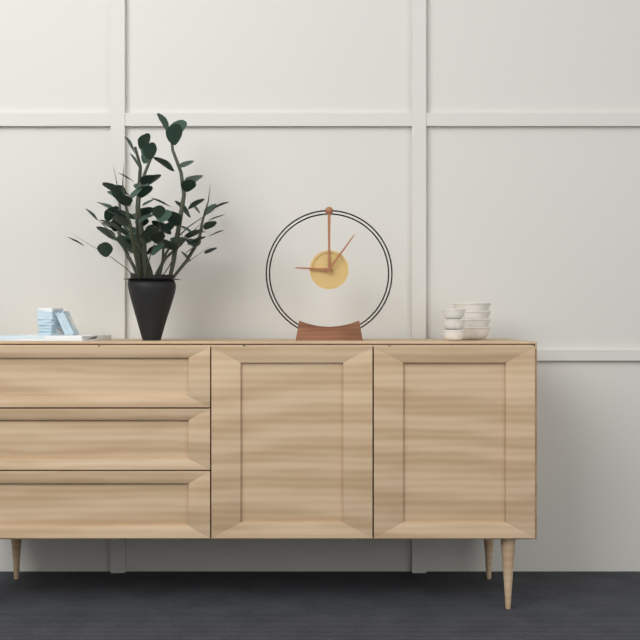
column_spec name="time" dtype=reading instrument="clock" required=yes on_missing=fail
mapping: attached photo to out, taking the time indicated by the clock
9:06
